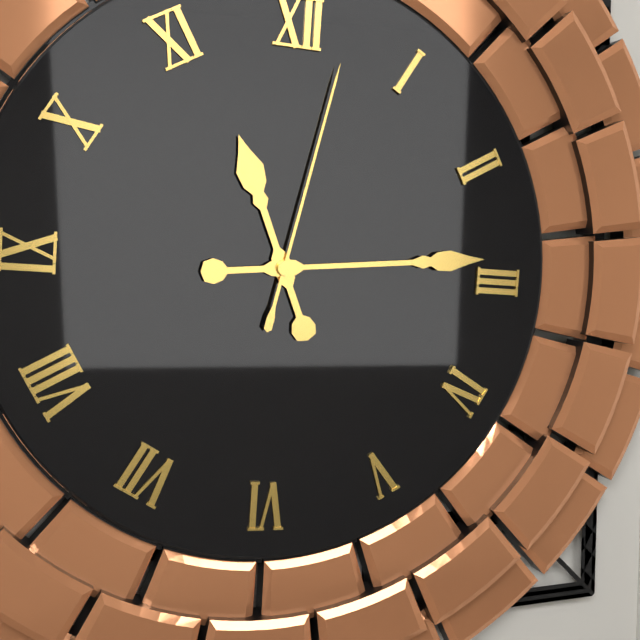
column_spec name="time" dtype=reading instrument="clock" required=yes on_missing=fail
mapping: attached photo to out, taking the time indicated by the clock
11:14:02
